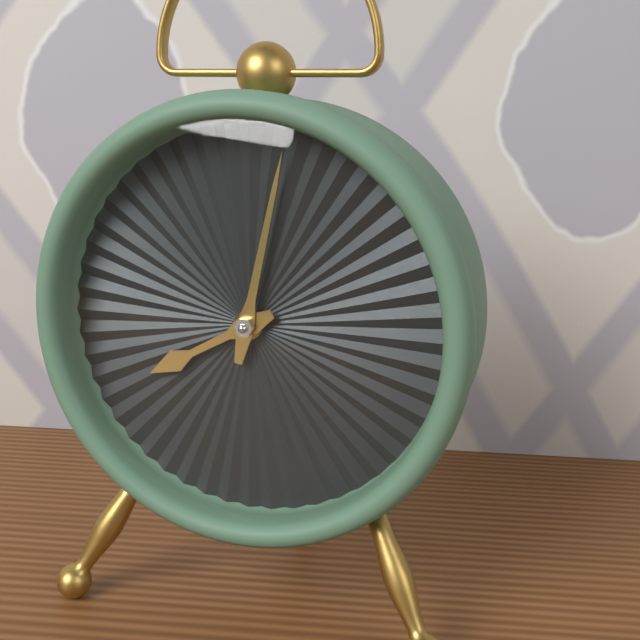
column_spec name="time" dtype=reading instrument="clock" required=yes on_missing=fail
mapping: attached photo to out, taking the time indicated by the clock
8:02
